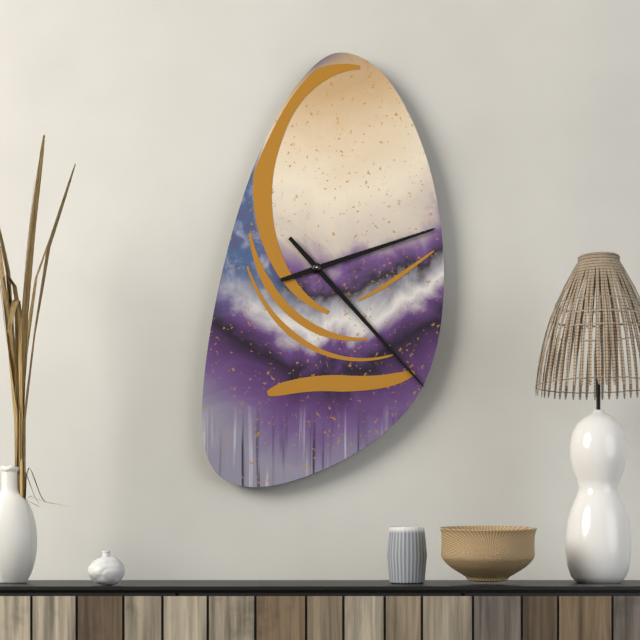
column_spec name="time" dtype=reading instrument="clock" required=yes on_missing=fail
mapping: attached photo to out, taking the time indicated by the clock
2:23
